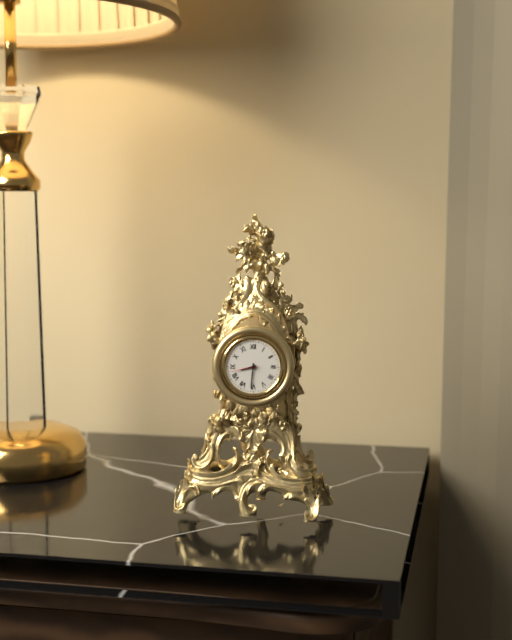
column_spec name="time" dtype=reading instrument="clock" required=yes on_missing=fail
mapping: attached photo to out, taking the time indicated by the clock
8:31
